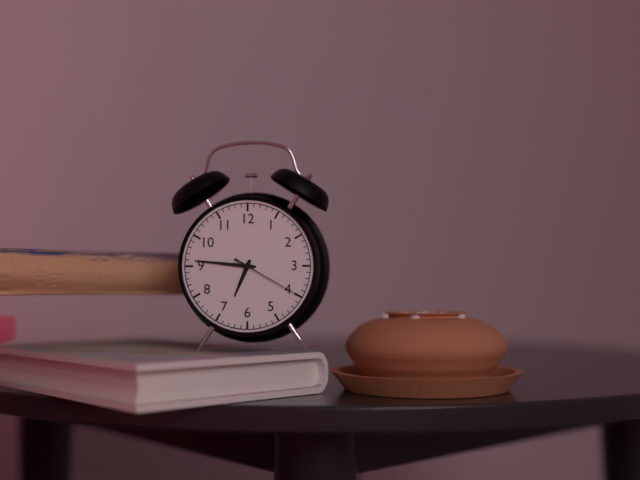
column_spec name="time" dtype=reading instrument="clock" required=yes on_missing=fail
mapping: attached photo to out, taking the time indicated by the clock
6:46:20
